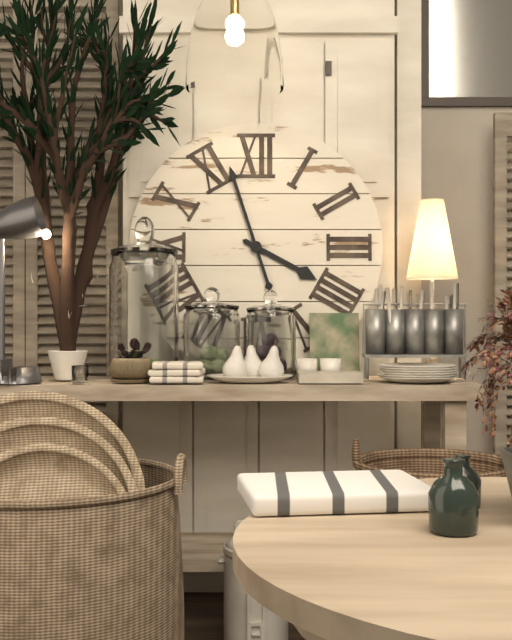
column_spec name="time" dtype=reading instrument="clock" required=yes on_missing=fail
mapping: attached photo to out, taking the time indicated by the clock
3:57
